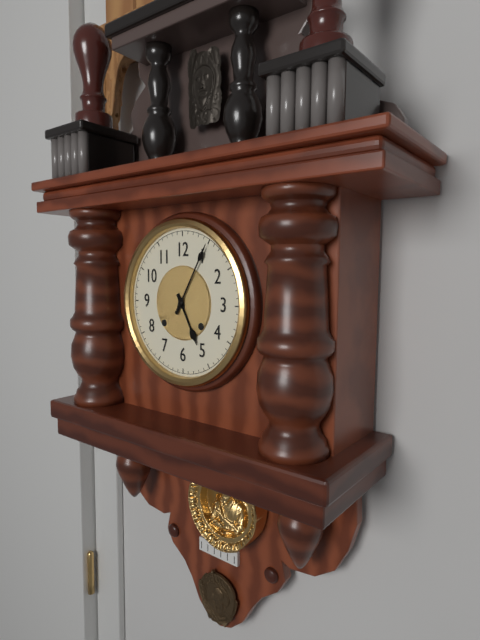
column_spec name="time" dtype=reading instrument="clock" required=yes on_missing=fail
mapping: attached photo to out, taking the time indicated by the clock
5:05
